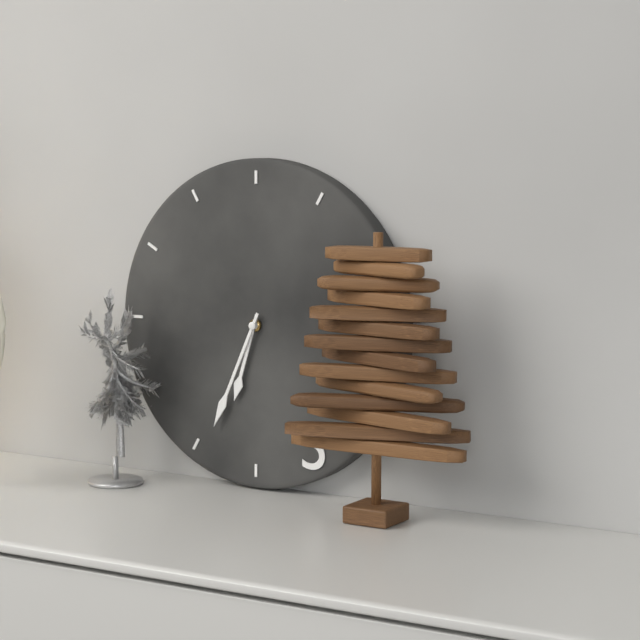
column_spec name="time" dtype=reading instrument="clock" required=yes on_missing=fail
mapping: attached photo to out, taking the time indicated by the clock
6:34
